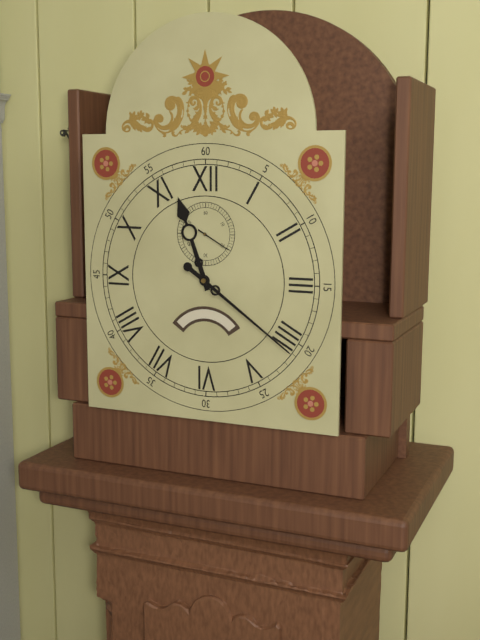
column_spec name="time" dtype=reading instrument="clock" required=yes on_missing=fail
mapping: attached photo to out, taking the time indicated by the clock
11:21
